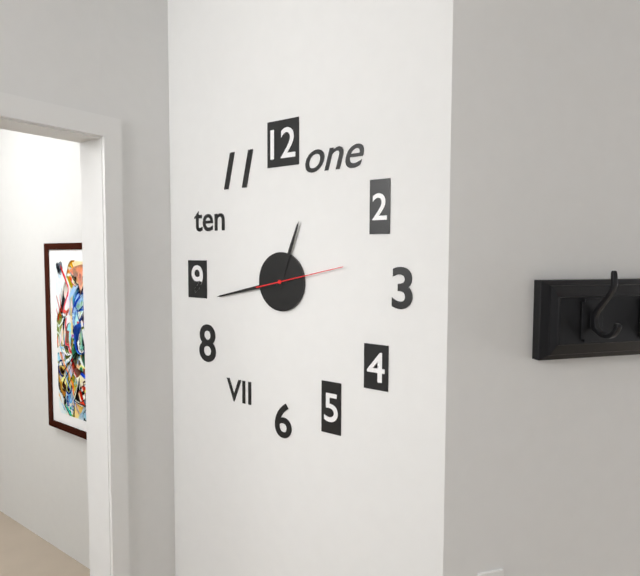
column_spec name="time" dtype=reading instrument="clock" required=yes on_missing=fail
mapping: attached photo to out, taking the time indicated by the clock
12:43:13
